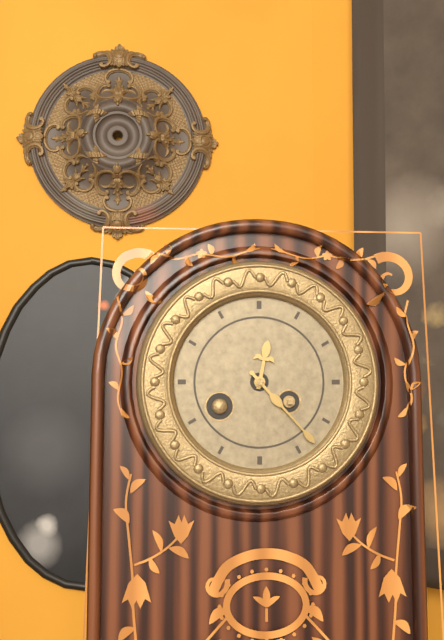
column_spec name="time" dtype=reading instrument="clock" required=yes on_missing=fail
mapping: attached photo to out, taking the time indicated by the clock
12:23
